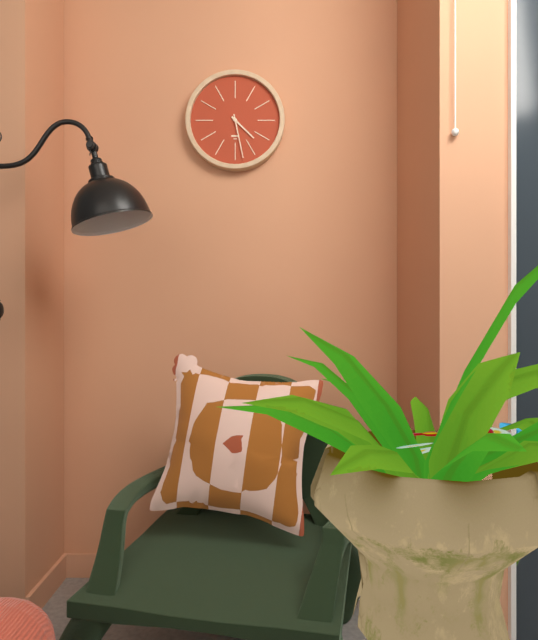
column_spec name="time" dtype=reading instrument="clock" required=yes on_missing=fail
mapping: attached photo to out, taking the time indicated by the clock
4:28
